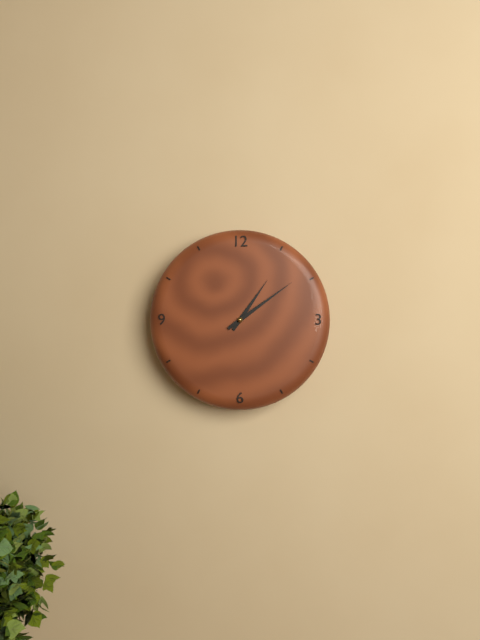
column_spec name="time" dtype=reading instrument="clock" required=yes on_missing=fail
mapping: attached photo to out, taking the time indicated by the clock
1:09
